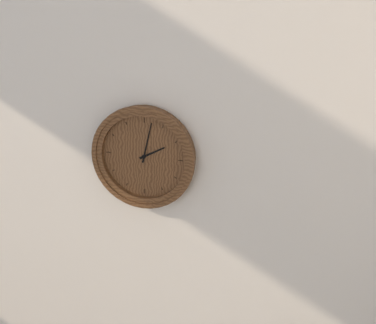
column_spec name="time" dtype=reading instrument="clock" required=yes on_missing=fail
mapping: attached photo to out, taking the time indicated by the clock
2:02
